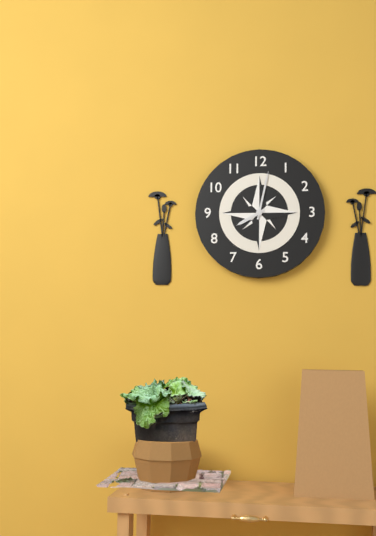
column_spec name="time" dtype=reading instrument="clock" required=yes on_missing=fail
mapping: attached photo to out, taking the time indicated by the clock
8:02
